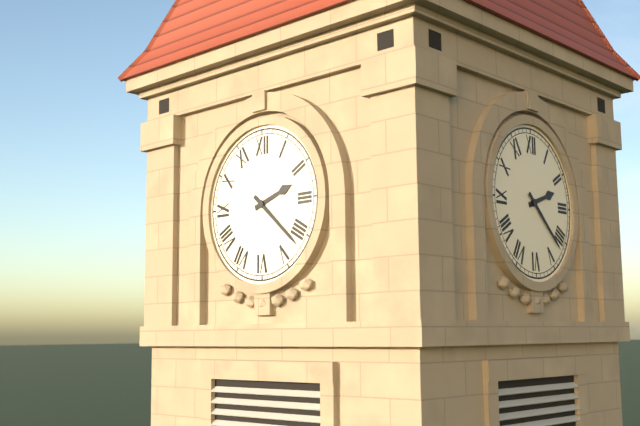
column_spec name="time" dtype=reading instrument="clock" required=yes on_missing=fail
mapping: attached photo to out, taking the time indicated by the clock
2:22
